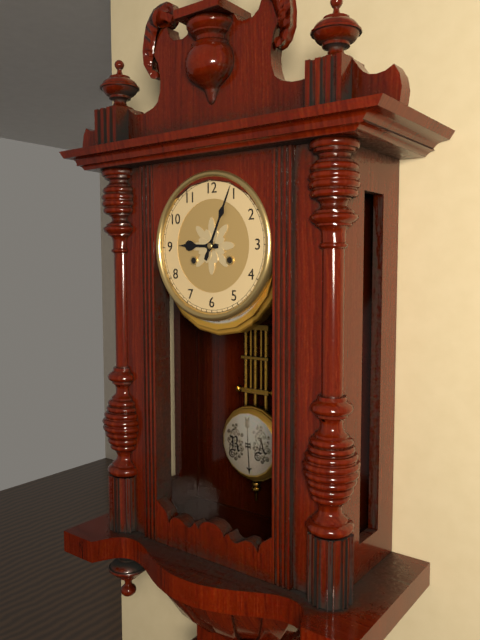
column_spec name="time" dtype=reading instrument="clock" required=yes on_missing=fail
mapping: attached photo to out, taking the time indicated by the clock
9:04
